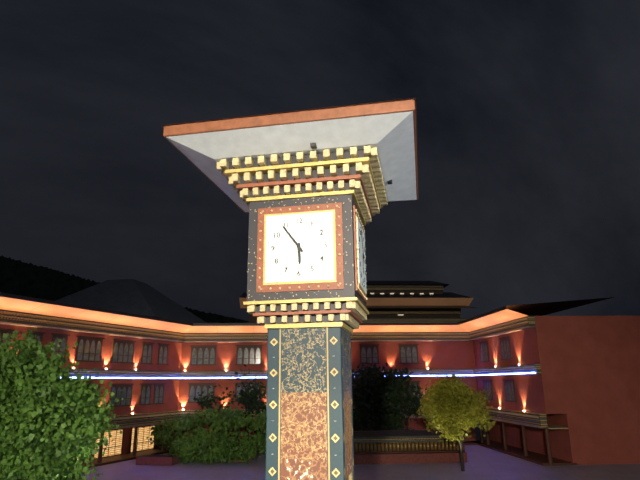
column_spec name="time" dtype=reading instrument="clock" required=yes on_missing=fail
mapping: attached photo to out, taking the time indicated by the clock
5:54
